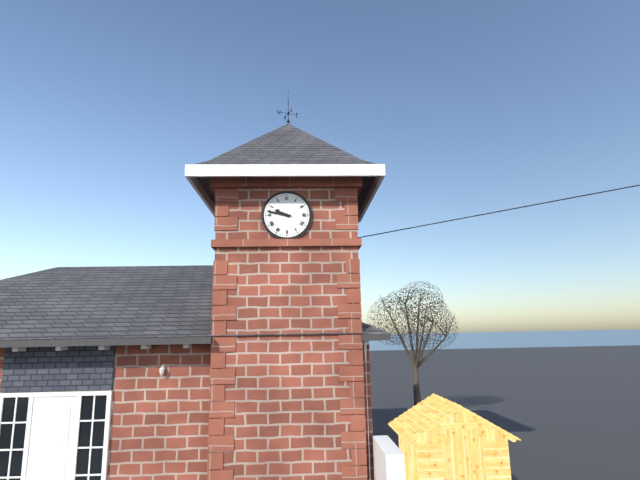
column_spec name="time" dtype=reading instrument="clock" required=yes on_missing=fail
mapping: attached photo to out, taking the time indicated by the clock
9:47
